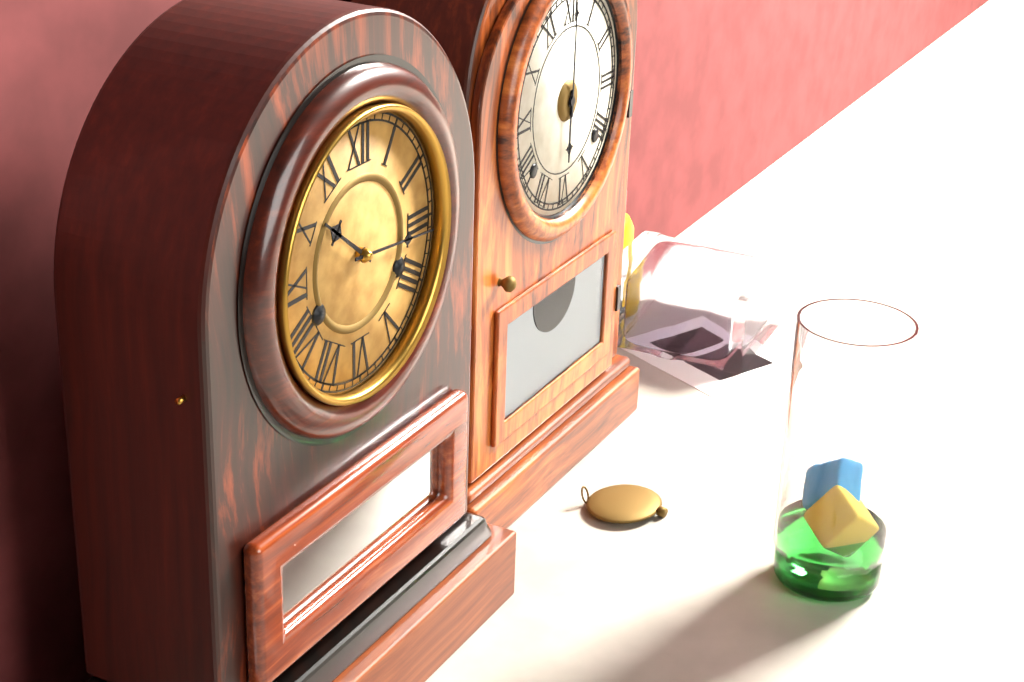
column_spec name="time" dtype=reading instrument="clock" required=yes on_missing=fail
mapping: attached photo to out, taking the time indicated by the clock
10:16
